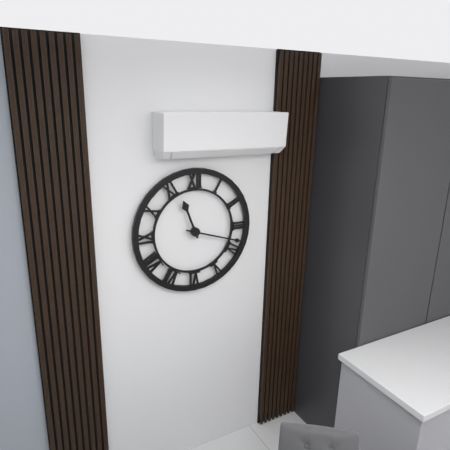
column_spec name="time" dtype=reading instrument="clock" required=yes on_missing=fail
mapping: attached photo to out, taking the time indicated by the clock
11:18
